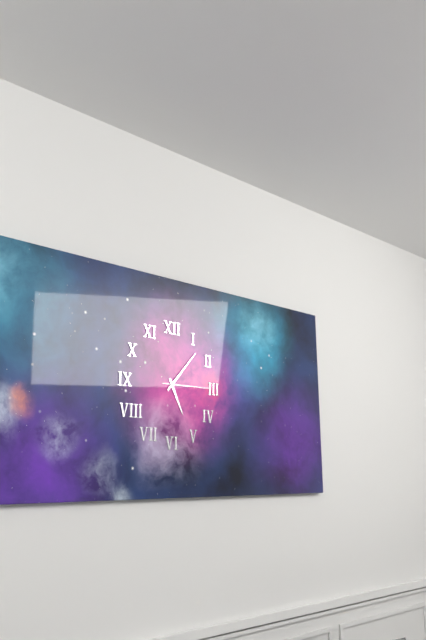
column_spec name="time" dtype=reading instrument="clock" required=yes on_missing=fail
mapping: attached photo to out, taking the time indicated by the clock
5:07:15
